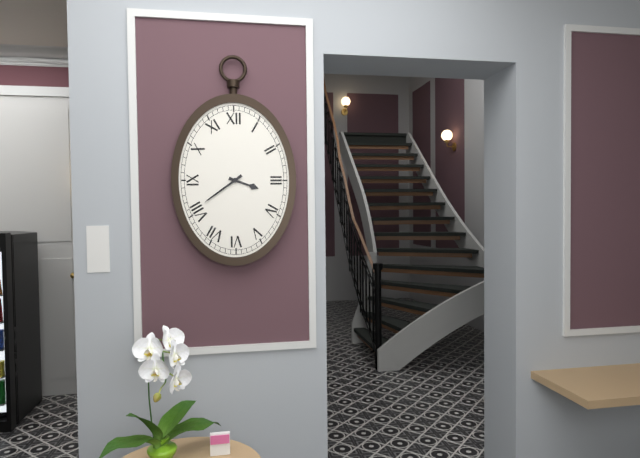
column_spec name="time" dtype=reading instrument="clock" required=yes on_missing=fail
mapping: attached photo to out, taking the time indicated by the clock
3:39
